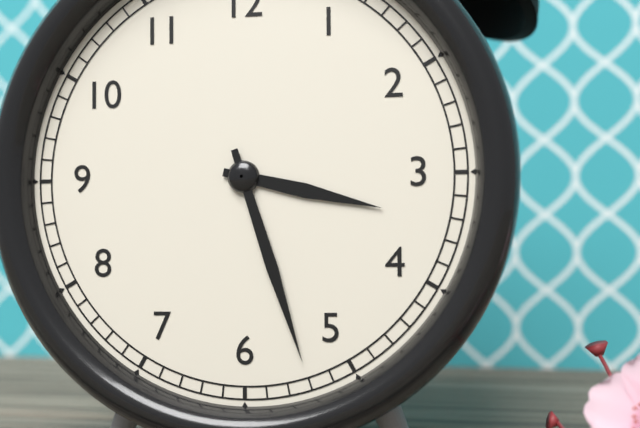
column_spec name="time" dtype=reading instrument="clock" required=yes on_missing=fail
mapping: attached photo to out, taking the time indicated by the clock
3:27
